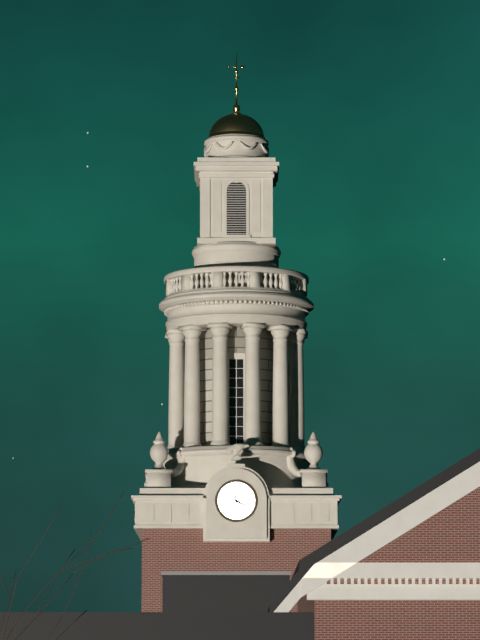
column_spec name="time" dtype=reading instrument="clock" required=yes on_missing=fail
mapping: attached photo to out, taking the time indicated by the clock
3:58
